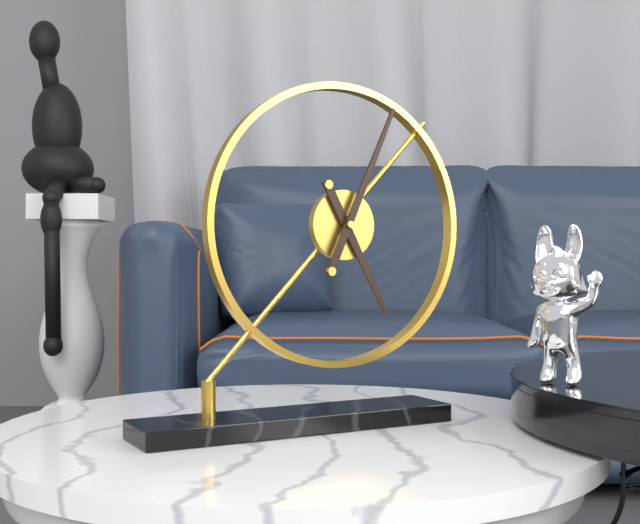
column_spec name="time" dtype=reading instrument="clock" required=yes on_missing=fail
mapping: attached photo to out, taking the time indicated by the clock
5:04
